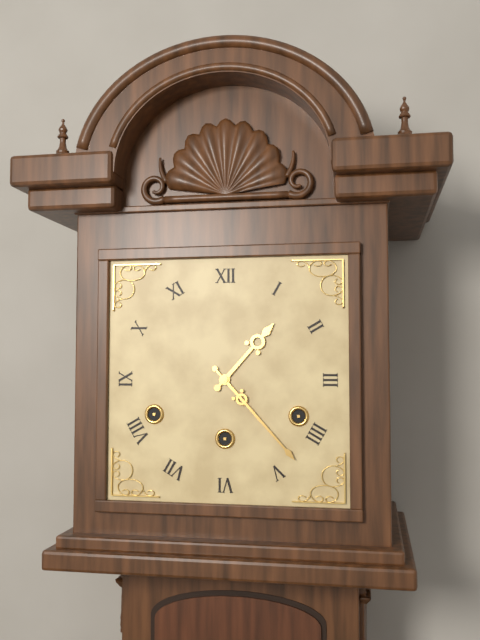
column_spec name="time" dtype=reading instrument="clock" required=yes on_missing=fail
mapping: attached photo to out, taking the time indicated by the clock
1:23
